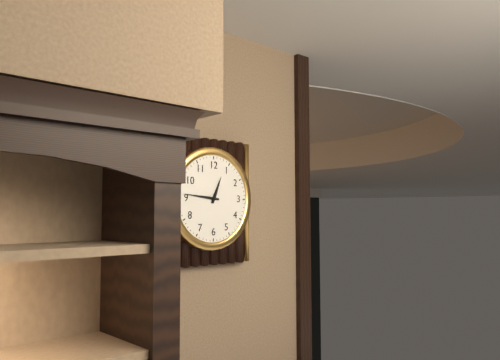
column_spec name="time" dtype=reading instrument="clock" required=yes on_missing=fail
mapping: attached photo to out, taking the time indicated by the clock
12:46
